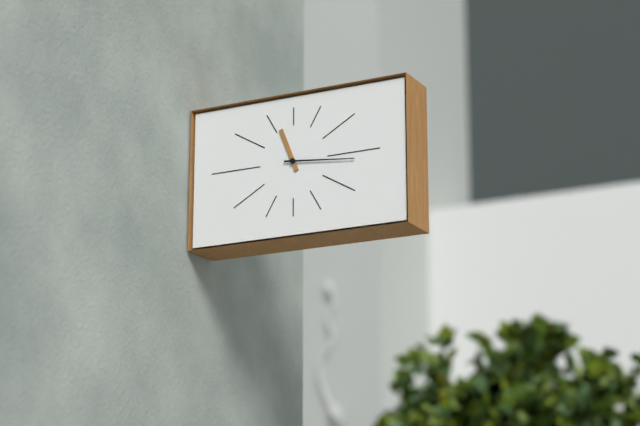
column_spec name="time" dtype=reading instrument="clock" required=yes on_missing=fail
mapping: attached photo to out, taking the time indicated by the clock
11:16
